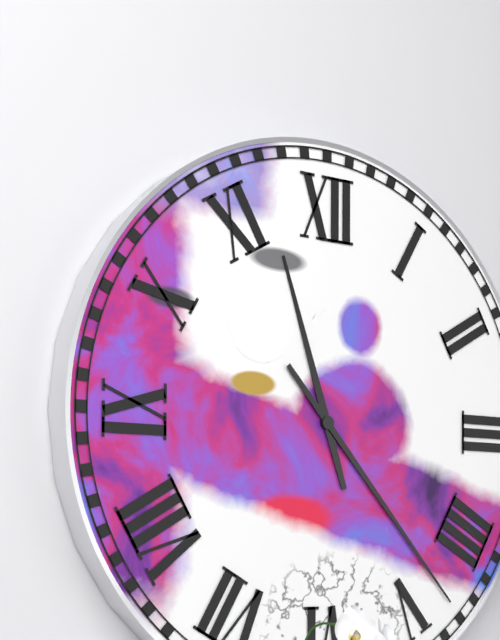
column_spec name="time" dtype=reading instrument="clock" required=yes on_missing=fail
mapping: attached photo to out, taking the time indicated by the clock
11:23
